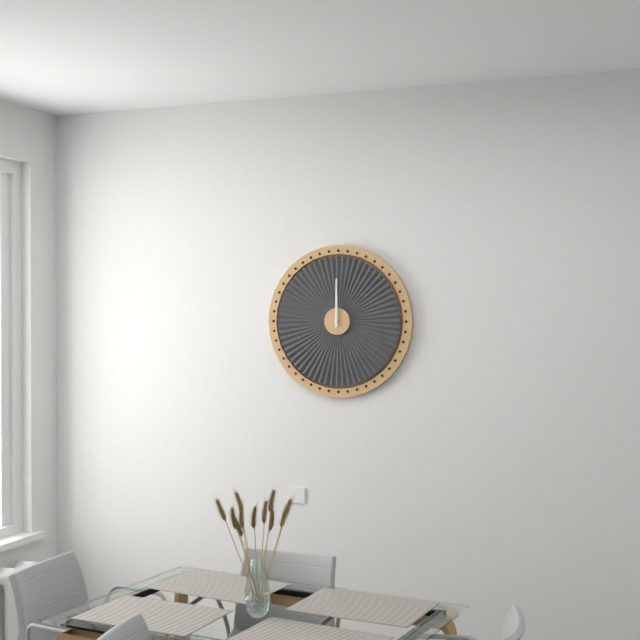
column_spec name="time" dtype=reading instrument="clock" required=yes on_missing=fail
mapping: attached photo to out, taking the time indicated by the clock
12:00
